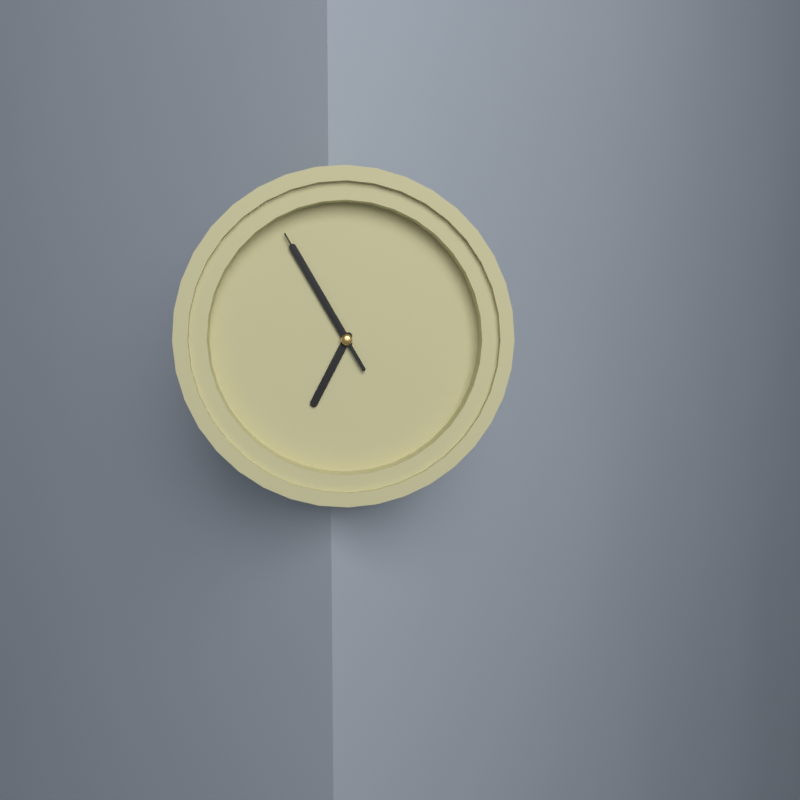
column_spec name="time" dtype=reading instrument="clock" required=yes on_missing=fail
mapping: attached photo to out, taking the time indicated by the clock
6:55:55
